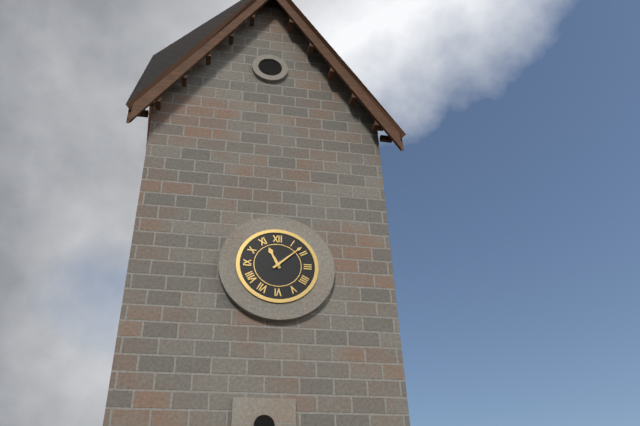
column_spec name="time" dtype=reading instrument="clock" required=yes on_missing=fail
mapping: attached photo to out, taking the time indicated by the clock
11:08
